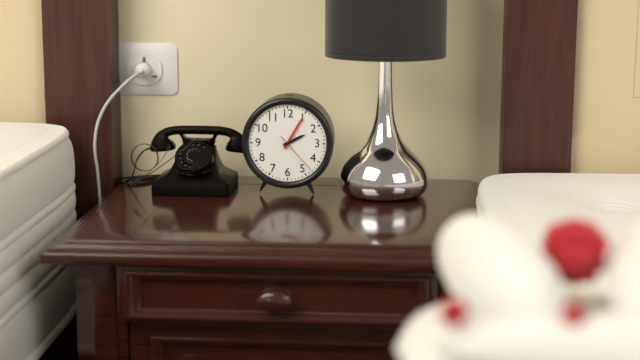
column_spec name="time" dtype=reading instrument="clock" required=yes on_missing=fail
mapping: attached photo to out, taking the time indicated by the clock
2:05
